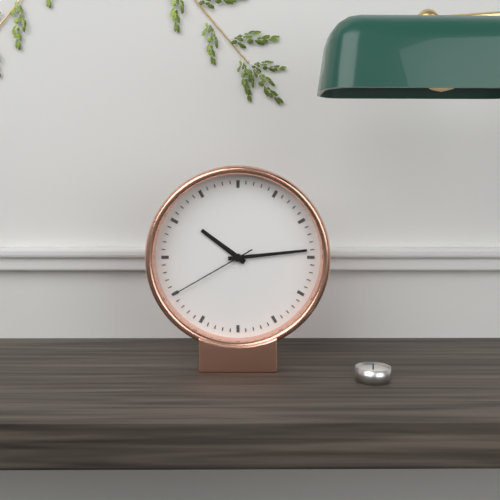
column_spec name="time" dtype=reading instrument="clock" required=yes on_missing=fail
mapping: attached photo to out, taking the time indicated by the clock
10:14:40
